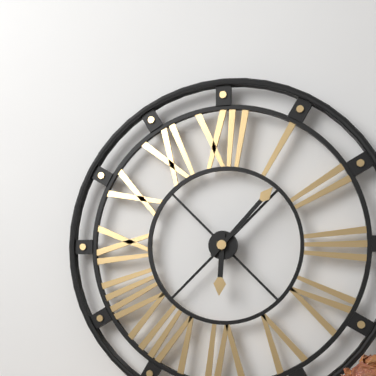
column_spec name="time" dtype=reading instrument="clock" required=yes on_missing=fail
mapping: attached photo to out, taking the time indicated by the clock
6:07
